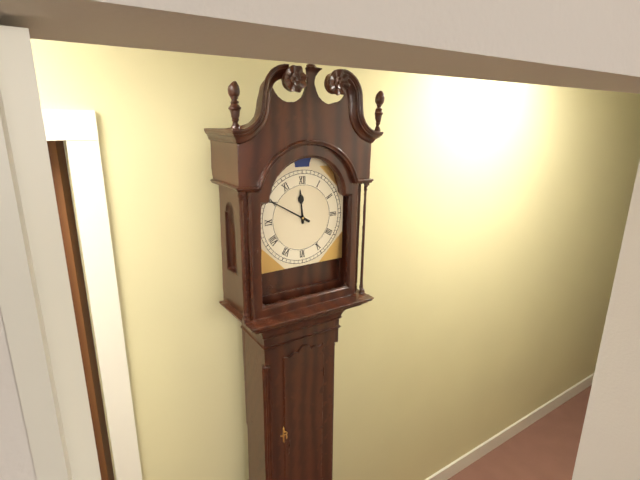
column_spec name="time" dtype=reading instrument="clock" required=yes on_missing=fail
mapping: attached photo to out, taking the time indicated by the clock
11:50
